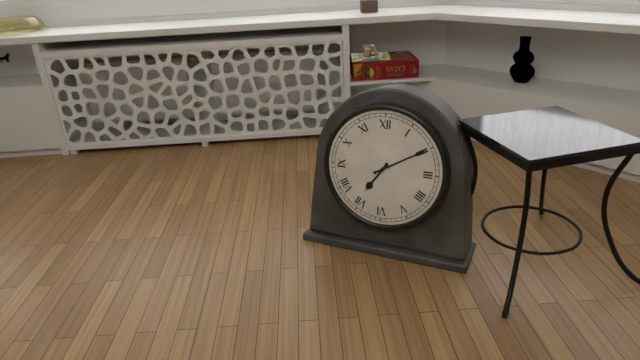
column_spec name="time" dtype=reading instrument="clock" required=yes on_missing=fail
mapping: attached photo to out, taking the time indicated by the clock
7:10
